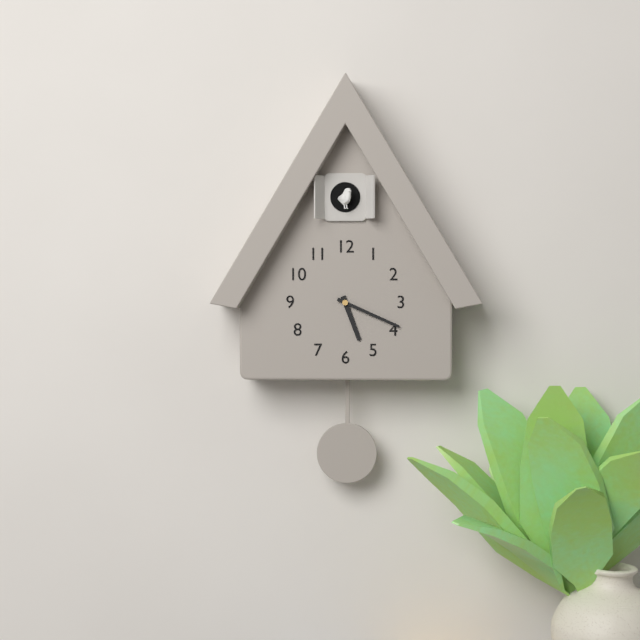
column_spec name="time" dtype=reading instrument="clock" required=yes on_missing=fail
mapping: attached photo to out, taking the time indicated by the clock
5:19
